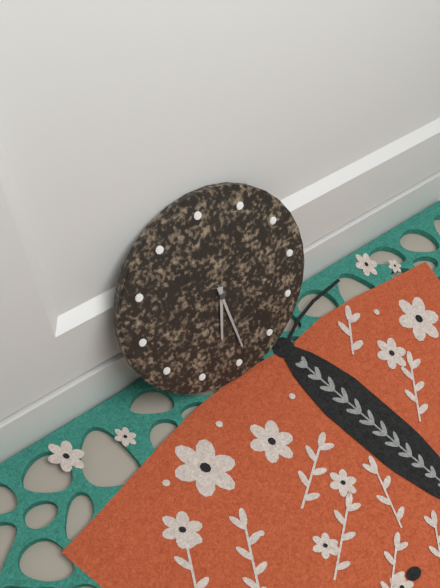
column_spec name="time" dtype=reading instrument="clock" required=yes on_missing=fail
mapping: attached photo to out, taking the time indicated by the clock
6:29
